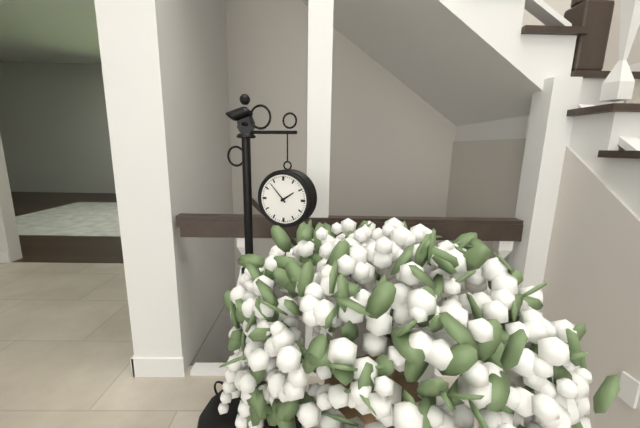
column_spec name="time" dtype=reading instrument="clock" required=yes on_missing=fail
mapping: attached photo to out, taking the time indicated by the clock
1:53
